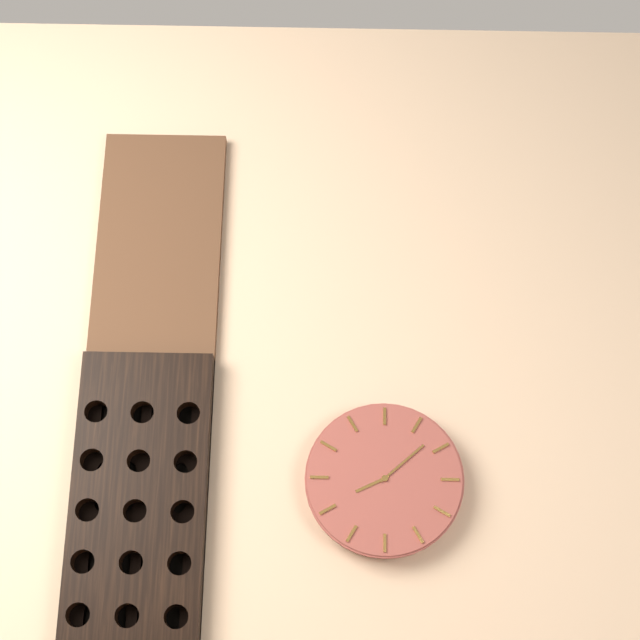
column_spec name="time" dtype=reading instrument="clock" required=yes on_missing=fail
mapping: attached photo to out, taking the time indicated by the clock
8:08
